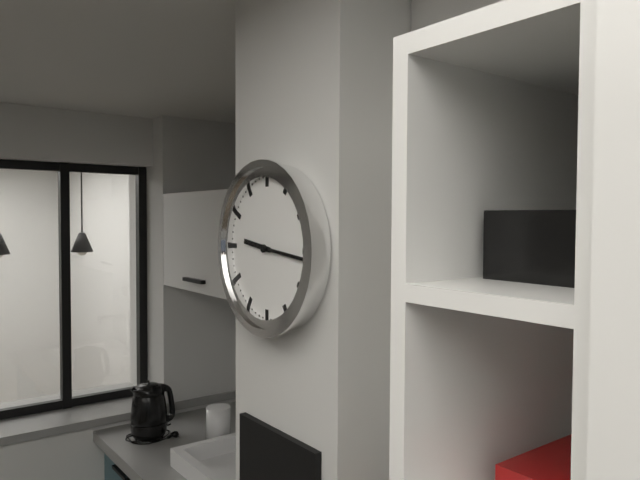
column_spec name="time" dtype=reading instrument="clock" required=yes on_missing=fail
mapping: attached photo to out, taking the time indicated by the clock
9:16
